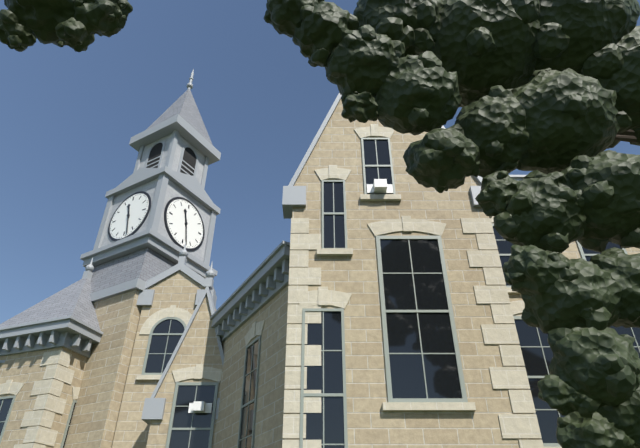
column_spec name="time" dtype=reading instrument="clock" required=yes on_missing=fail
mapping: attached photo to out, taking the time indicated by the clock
11:28
